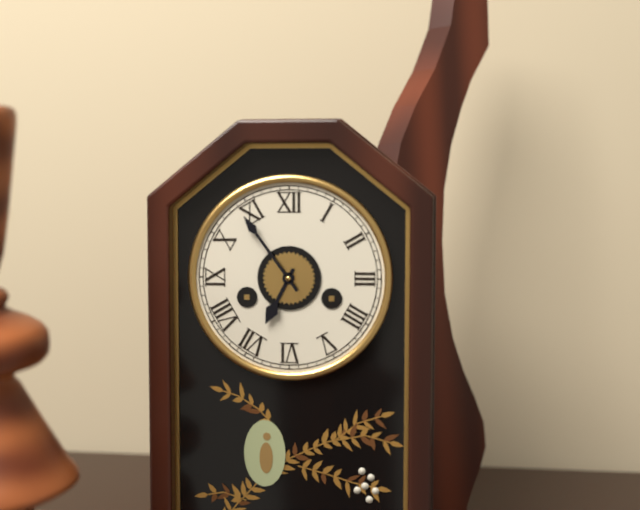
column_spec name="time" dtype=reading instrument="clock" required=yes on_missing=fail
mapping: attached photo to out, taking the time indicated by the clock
6:54
